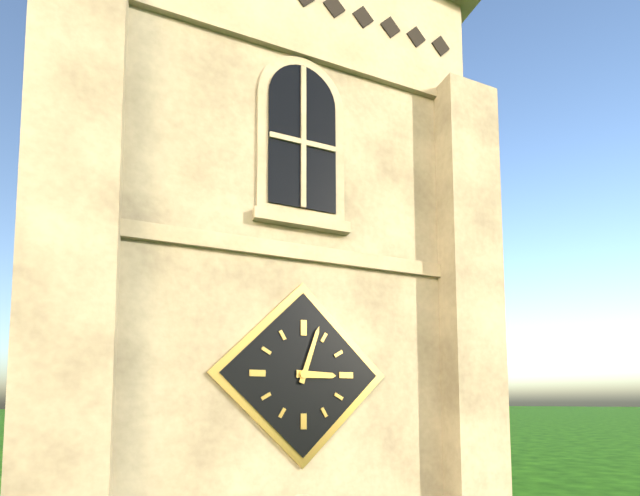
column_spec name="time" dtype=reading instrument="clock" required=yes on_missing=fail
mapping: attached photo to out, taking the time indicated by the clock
3:03
